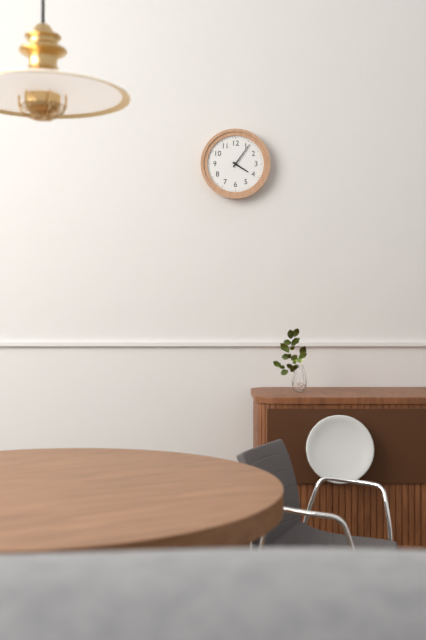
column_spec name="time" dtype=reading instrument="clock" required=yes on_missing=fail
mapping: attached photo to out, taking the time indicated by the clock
4:06
